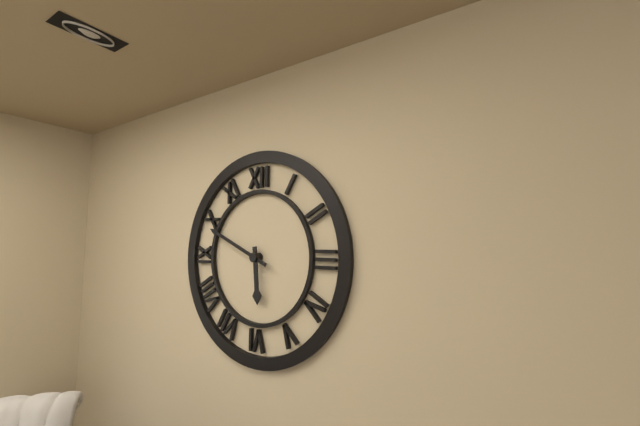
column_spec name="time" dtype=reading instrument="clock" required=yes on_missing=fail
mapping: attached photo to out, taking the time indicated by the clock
5:49
